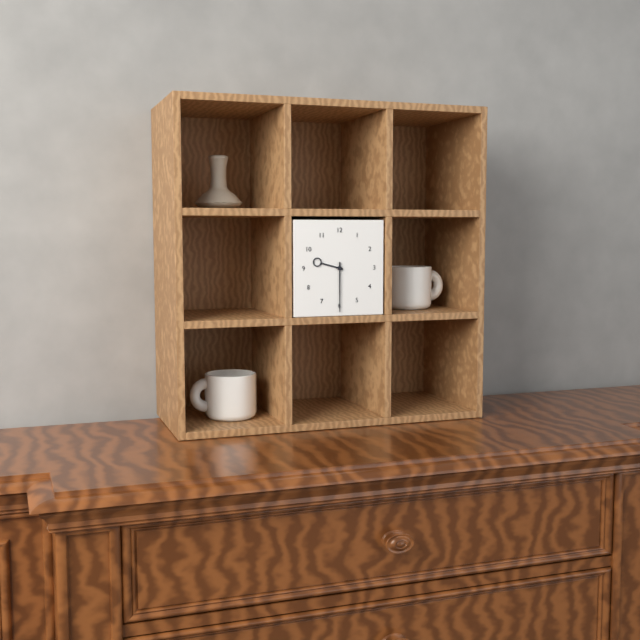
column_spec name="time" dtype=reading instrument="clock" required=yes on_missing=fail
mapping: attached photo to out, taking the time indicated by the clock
9:30
